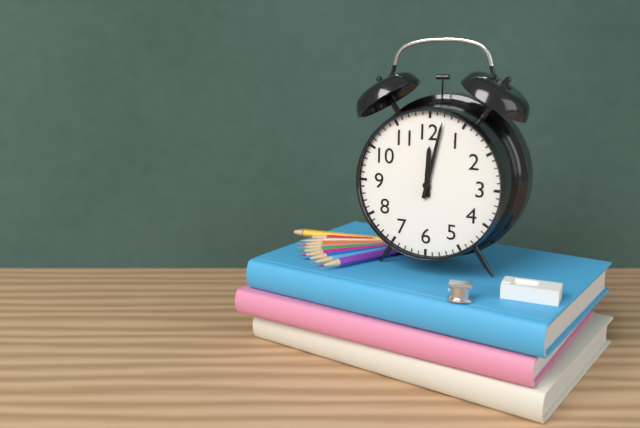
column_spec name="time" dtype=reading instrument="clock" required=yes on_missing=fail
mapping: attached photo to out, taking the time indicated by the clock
12:02
